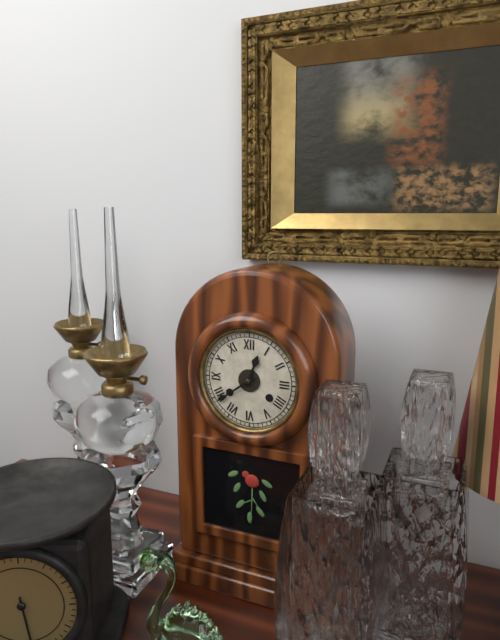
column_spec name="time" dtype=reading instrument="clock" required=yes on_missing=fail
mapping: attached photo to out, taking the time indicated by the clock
12:39
